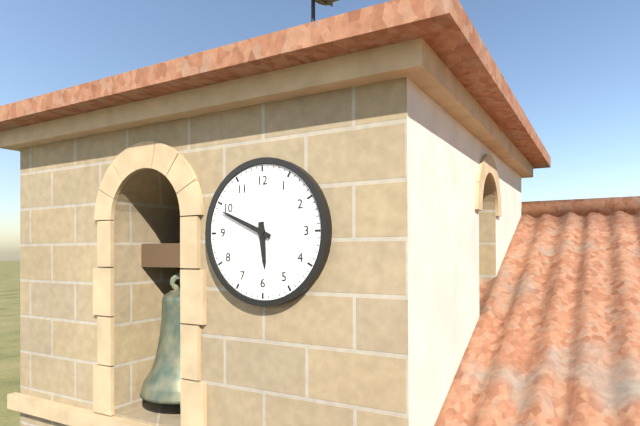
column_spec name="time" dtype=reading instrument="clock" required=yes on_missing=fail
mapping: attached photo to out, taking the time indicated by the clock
5:49
